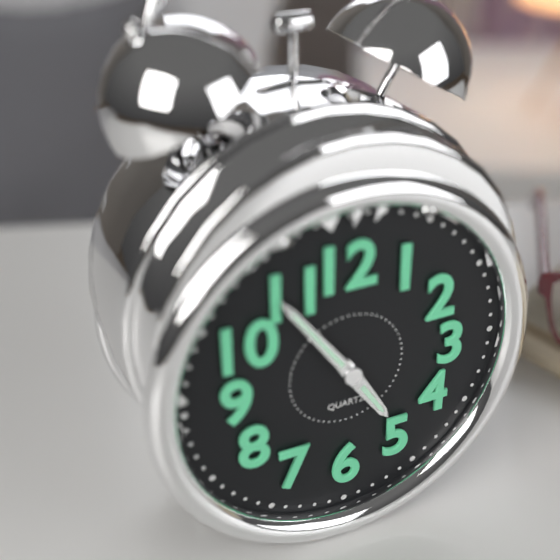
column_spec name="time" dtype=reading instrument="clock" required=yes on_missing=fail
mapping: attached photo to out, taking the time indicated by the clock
4:54
